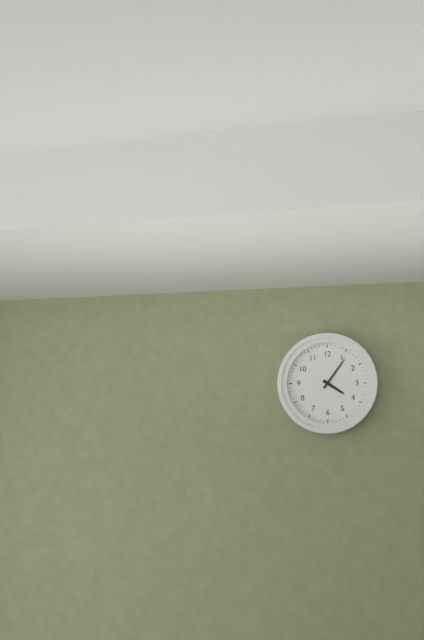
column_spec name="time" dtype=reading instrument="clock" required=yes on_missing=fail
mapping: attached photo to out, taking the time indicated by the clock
4:06
